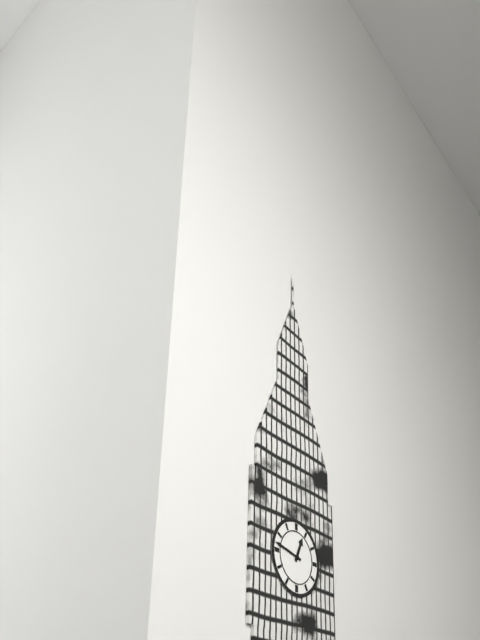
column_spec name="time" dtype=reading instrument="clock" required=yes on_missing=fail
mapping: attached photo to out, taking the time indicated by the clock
12:47
